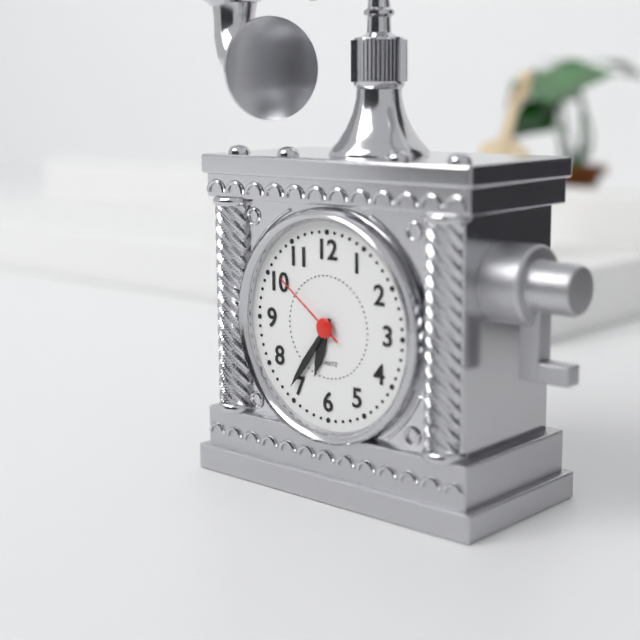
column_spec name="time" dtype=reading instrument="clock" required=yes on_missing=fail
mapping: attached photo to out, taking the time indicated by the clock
6:36:51
